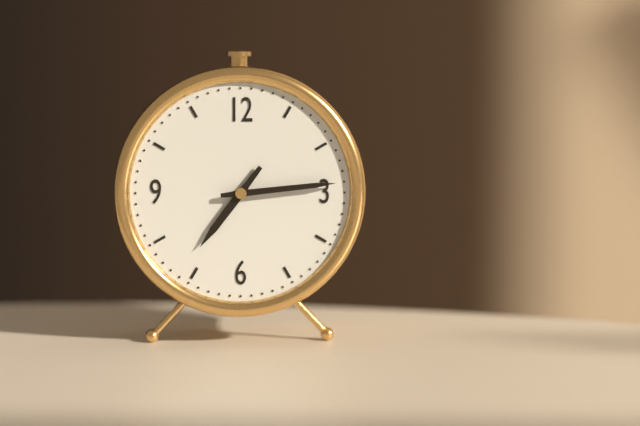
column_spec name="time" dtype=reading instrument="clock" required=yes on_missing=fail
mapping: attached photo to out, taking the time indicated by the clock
7:14
